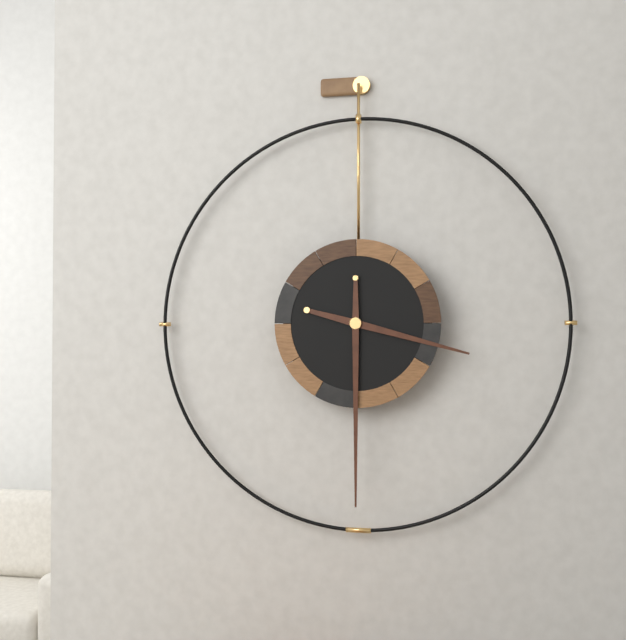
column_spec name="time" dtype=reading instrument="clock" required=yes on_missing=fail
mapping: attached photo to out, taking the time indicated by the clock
3:30
